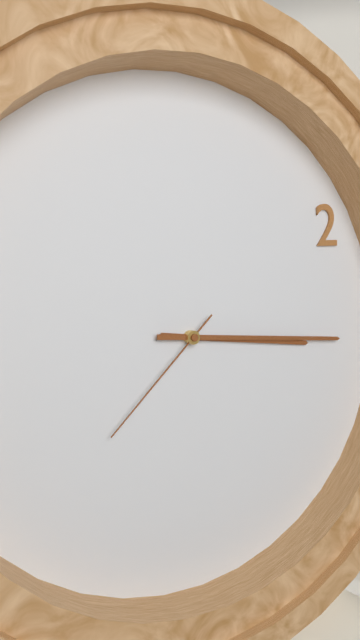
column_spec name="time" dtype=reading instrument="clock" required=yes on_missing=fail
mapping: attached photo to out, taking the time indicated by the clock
3:16:38
